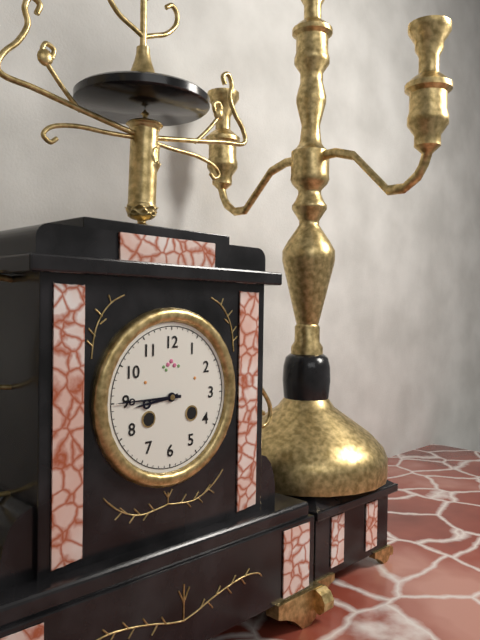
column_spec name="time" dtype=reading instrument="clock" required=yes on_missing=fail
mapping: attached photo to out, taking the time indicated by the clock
8:45
